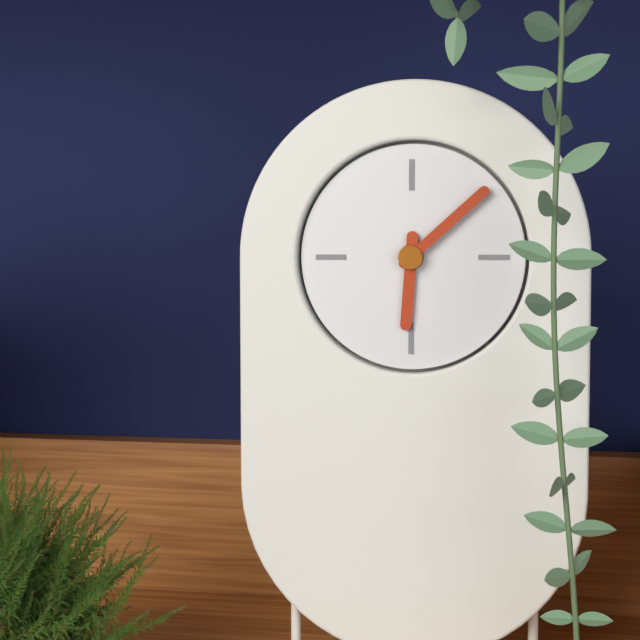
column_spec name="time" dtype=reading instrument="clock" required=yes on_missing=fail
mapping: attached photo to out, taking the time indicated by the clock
6:08
